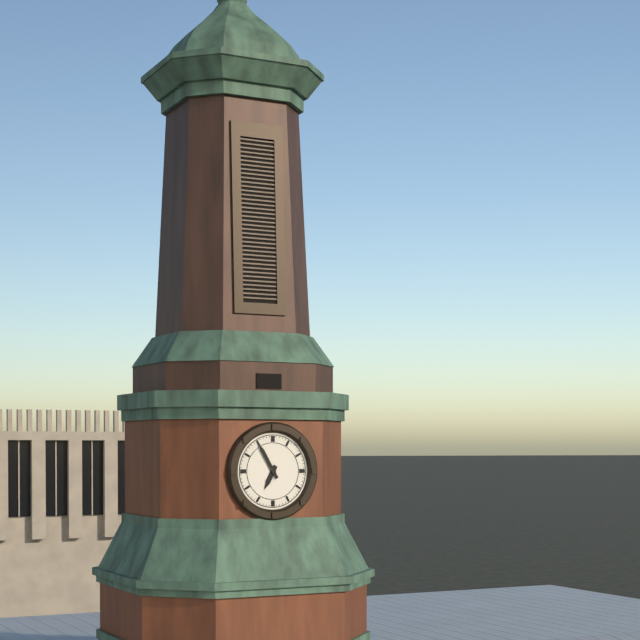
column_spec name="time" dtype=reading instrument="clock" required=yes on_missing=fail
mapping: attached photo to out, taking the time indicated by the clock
6:55
